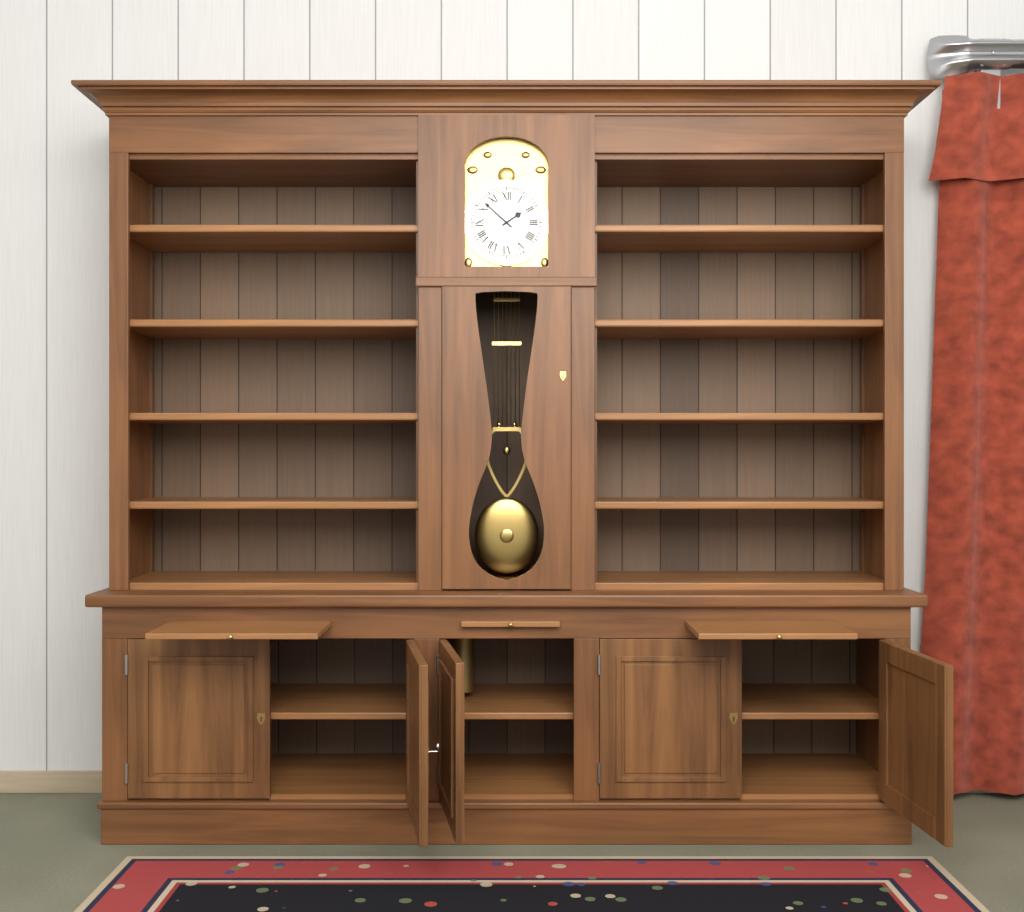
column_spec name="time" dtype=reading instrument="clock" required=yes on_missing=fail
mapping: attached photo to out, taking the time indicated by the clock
1:52
